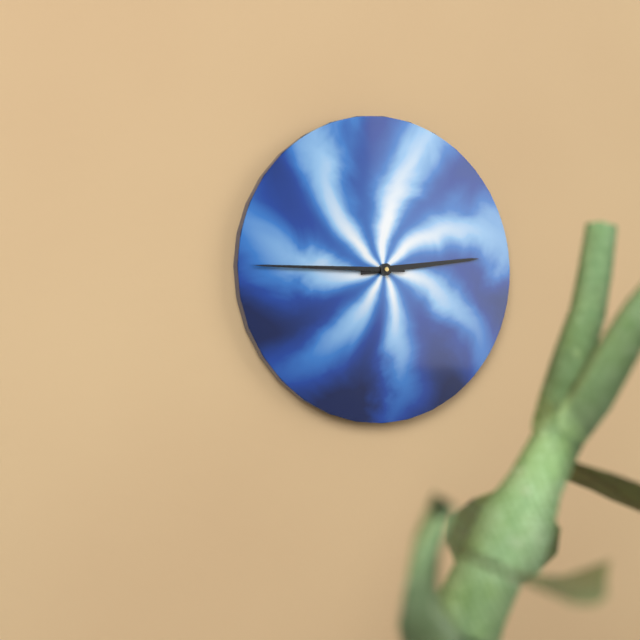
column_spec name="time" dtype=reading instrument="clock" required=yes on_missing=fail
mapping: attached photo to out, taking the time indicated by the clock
2:45
